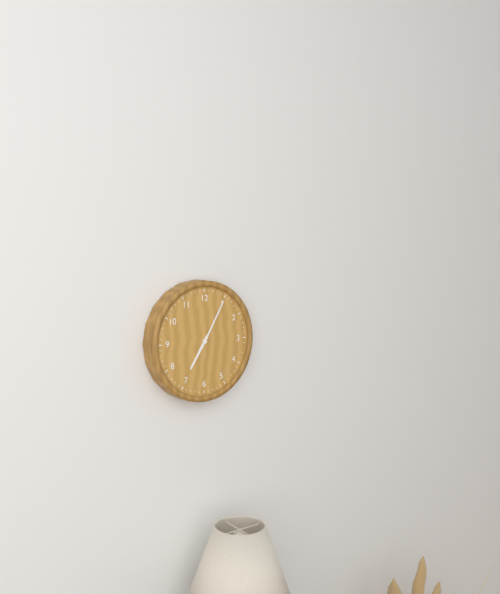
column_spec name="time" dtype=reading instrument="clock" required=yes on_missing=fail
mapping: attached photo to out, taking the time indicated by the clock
7:05
